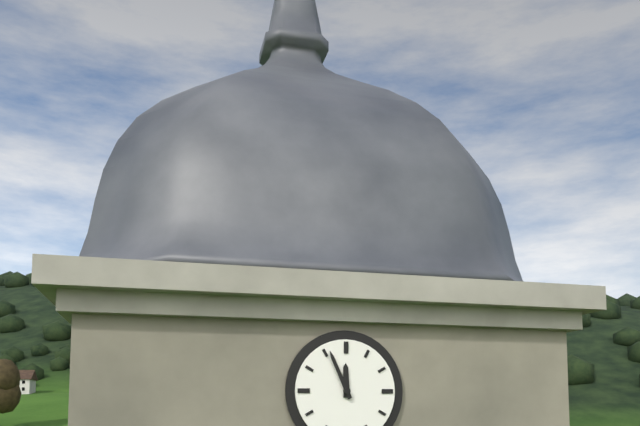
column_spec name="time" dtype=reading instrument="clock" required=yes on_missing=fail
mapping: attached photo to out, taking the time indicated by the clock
11:56
